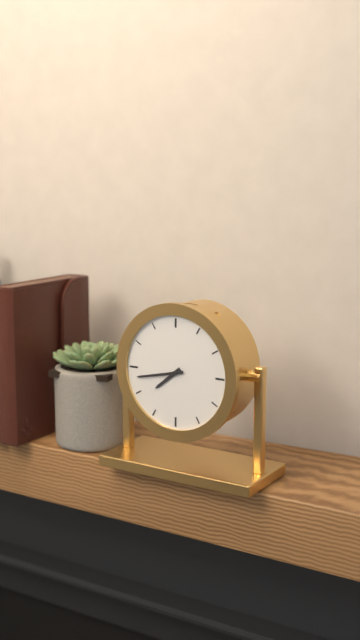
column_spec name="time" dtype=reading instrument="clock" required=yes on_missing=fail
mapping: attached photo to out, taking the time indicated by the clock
7:43
